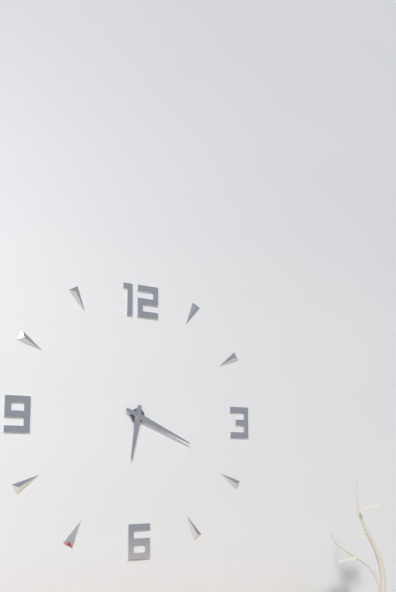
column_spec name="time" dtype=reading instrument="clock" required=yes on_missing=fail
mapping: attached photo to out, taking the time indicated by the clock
6:19
